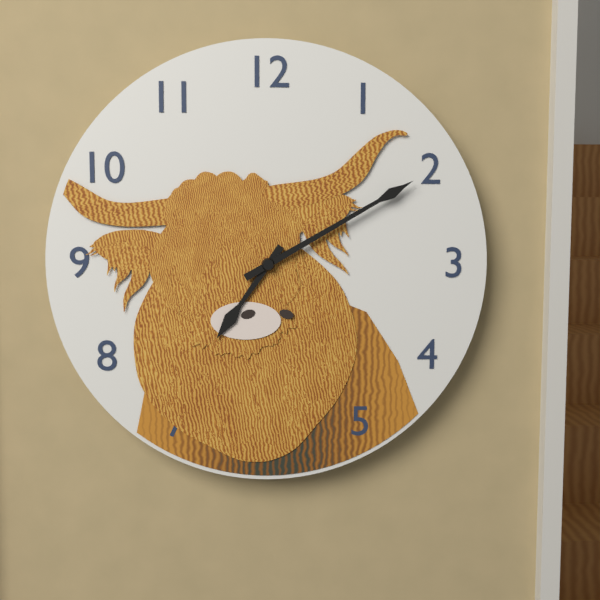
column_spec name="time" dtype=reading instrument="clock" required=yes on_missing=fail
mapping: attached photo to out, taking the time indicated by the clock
7:10
